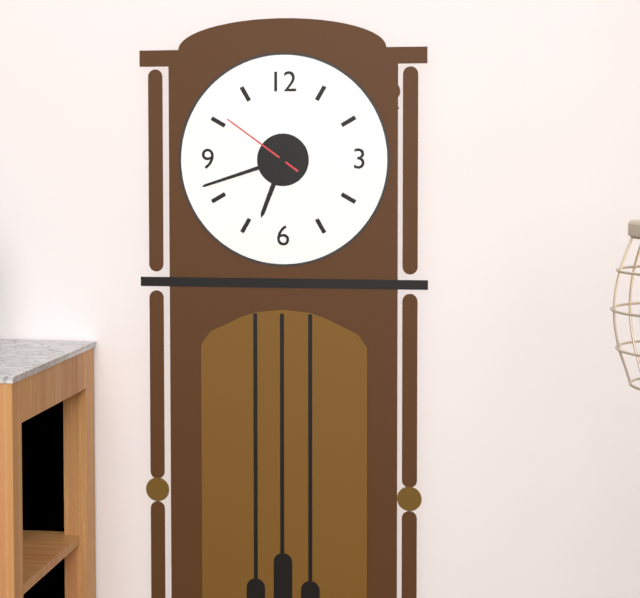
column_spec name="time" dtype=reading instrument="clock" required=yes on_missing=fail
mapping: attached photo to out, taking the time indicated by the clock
6:42:51
